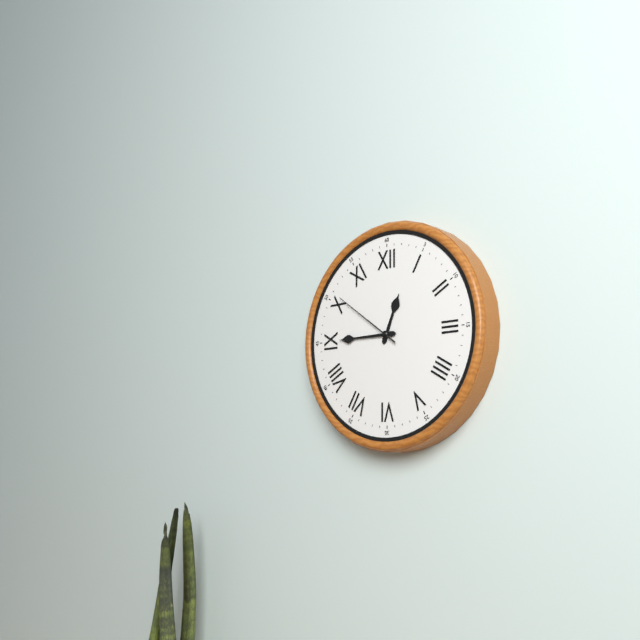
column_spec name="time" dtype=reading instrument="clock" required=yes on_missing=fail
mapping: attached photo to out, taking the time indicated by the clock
12:45:51
